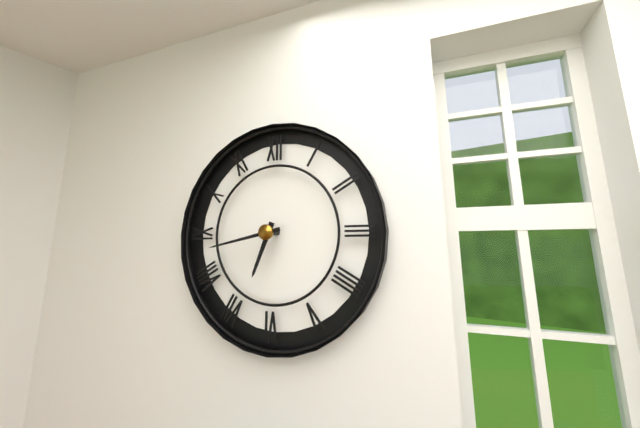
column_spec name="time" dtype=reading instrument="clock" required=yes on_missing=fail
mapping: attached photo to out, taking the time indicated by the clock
6:43
